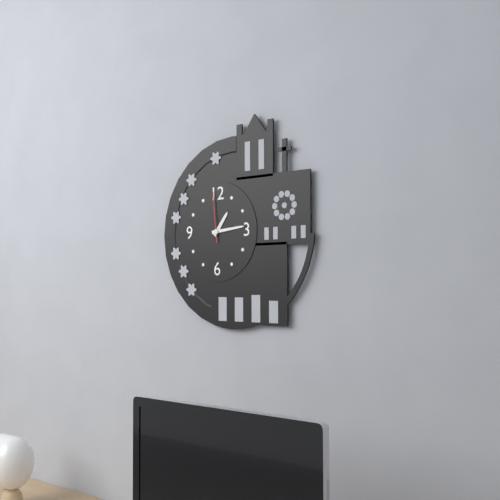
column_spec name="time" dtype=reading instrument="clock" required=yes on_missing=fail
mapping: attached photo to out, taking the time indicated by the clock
1:14:59
